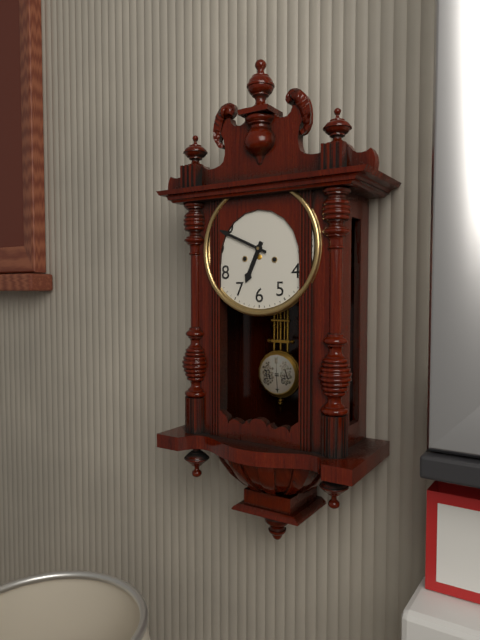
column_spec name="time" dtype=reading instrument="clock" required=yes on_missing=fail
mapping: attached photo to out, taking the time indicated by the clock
6:49
